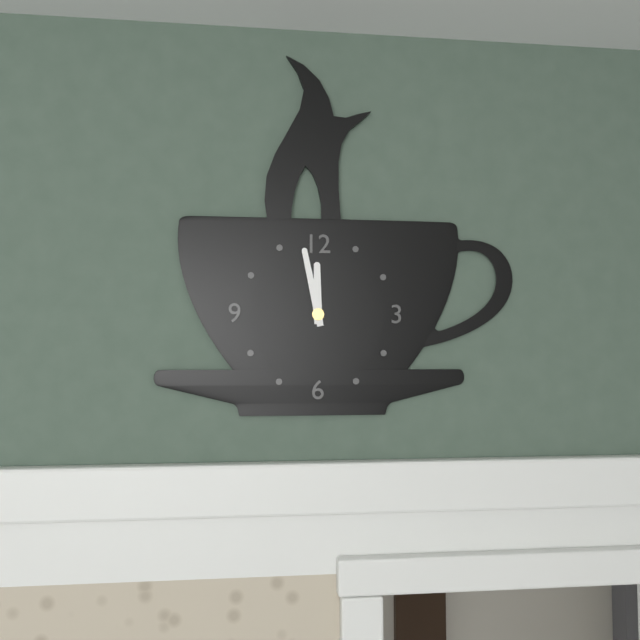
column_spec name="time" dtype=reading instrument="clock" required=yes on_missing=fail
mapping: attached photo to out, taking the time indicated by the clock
11:58
